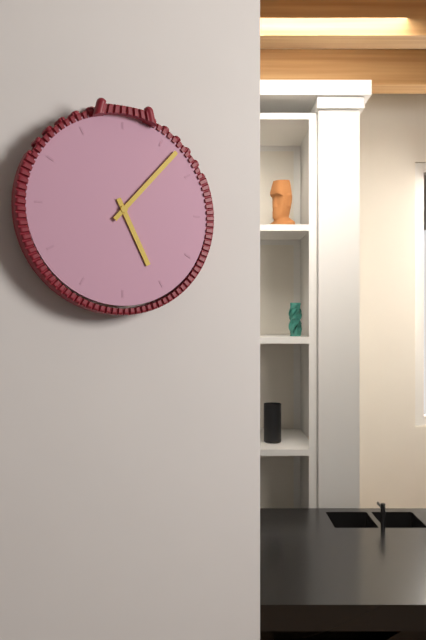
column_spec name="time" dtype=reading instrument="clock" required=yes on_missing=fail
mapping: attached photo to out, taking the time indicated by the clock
5:07
